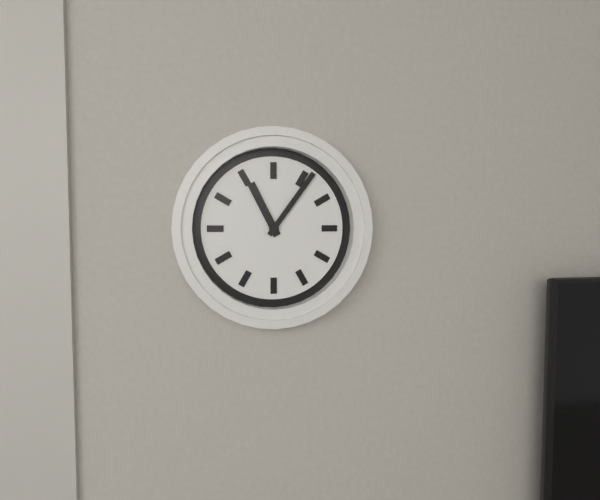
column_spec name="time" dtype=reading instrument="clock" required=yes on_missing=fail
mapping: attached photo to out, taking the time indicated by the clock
11:06
